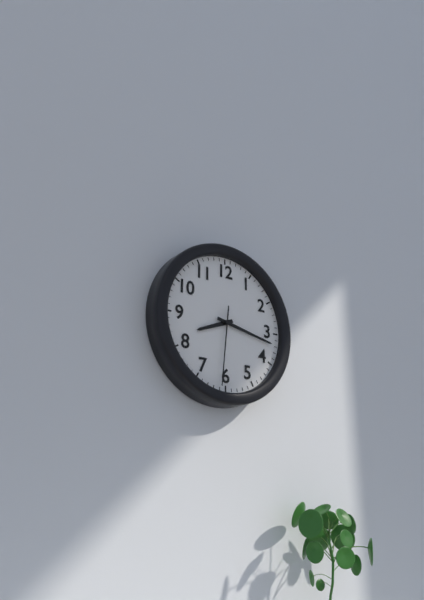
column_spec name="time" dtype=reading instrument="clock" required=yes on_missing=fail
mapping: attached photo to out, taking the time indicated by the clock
8:17:31
